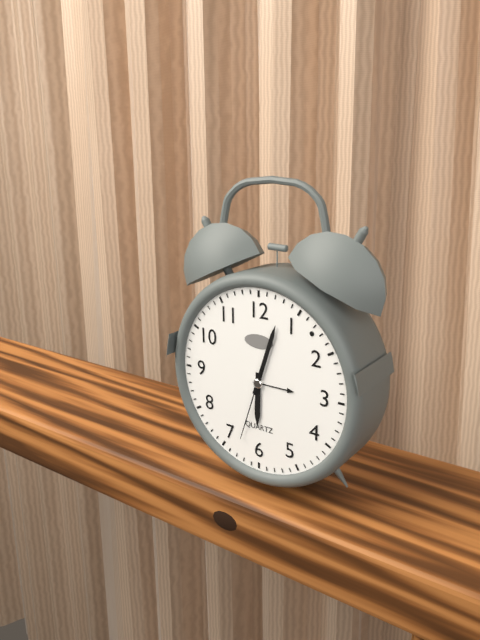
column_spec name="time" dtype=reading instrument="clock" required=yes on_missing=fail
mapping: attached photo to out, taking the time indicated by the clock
6:03:33
